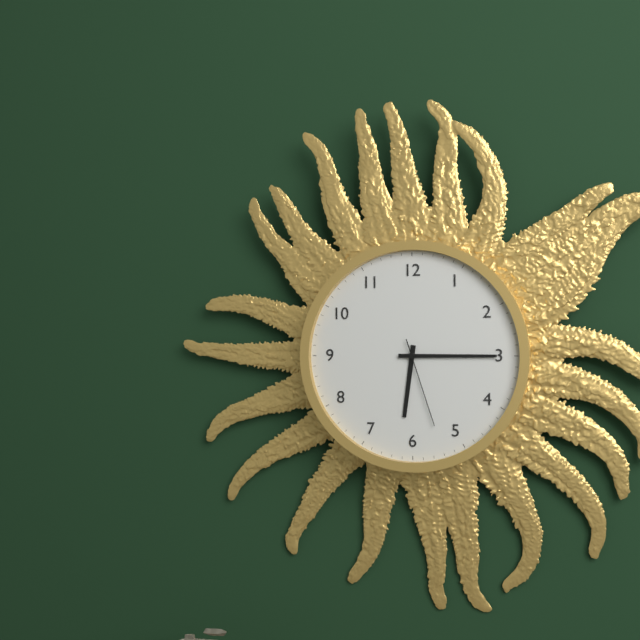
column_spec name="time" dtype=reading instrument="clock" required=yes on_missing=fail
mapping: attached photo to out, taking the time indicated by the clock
6:15:27
